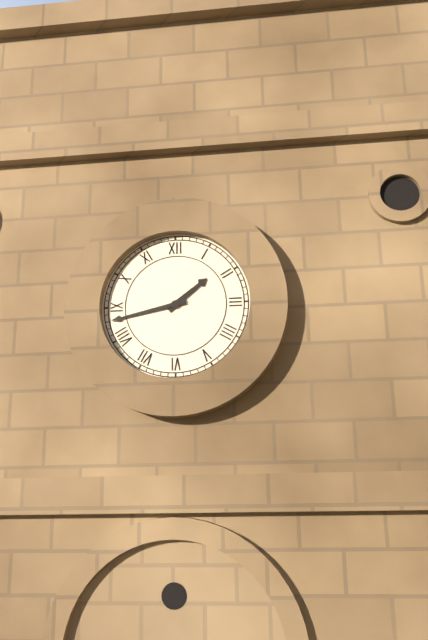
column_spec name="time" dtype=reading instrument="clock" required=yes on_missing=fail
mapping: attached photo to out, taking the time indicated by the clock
1:43
